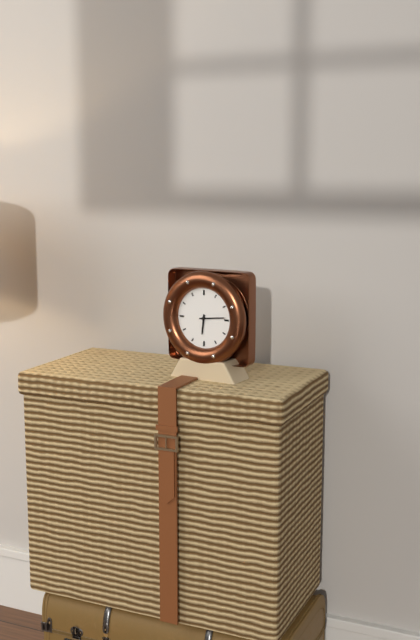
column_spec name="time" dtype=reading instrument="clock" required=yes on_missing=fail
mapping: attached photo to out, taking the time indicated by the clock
6:14
